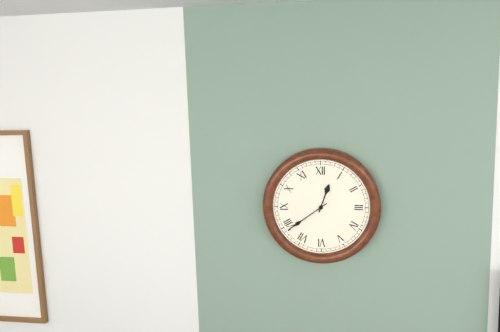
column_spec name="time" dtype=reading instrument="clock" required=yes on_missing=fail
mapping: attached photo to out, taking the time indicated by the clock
12:39
